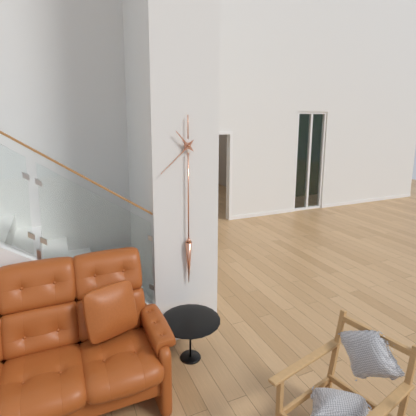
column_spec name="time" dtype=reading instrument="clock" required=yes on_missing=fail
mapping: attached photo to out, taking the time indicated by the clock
10:38
